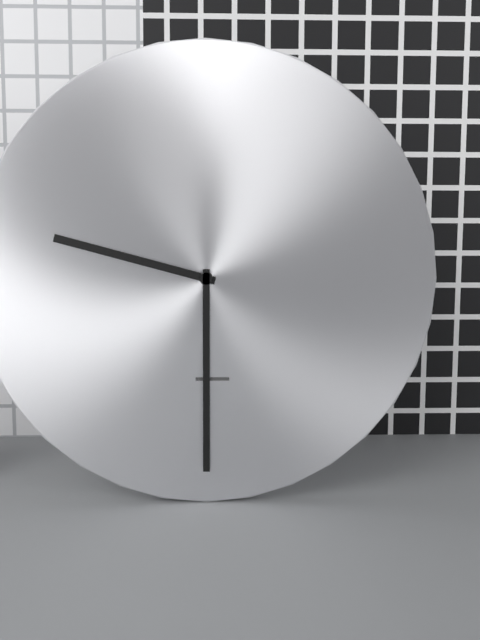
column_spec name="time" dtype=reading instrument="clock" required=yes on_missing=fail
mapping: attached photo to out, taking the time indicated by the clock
9:30
